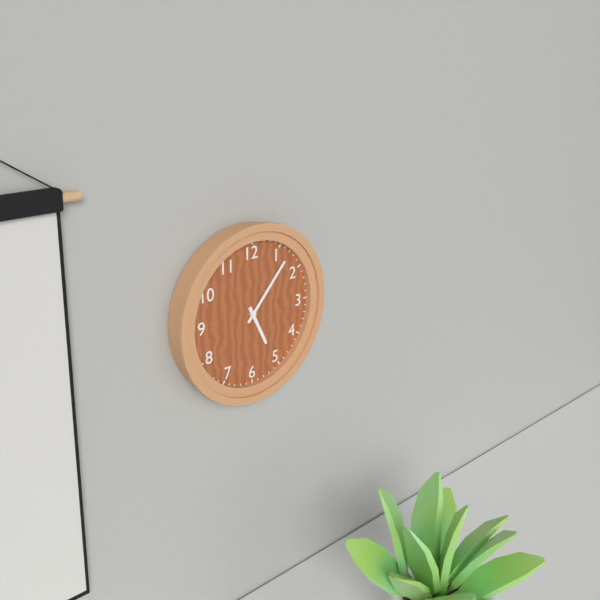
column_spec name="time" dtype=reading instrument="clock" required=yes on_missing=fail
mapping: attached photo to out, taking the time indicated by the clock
5:07
